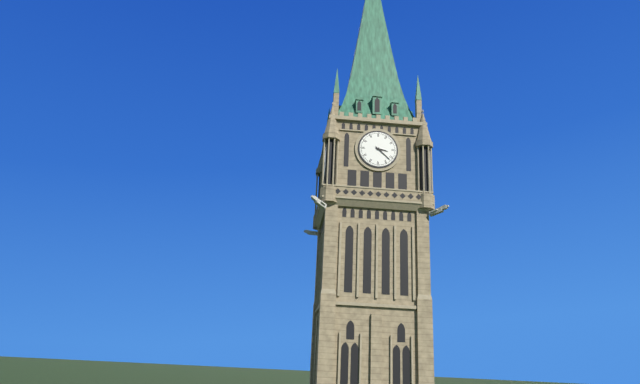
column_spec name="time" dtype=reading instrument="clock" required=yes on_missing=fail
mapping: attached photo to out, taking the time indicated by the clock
3:22
